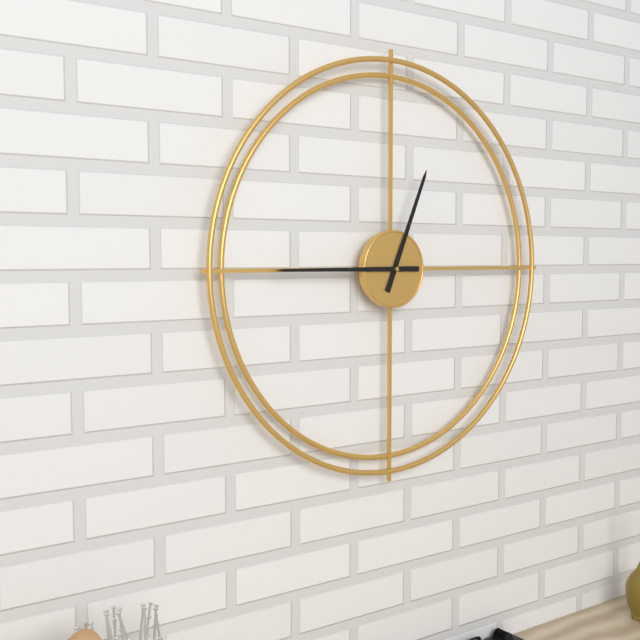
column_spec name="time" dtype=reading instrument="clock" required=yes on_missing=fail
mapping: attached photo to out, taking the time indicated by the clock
12:45
